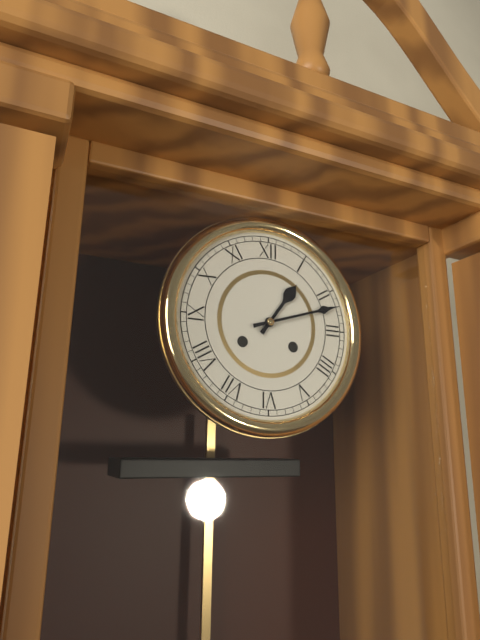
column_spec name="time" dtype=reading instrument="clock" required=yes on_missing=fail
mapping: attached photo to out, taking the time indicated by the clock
1:12
